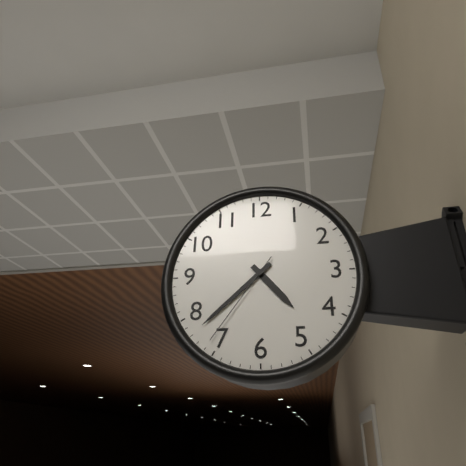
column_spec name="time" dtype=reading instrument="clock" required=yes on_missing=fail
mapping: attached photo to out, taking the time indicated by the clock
4:38:36
